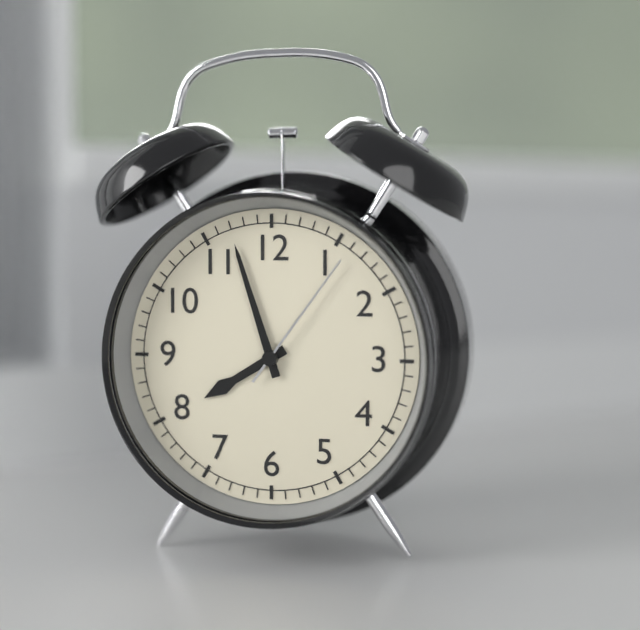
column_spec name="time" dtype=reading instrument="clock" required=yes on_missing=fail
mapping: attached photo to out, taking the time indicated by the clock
7:57:06
